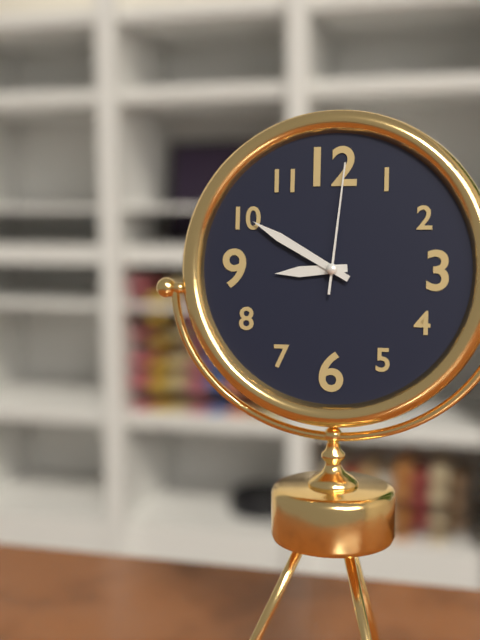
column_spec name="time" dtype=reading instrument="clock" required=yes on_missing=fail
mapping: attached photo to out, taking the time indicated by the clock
8:50:01
